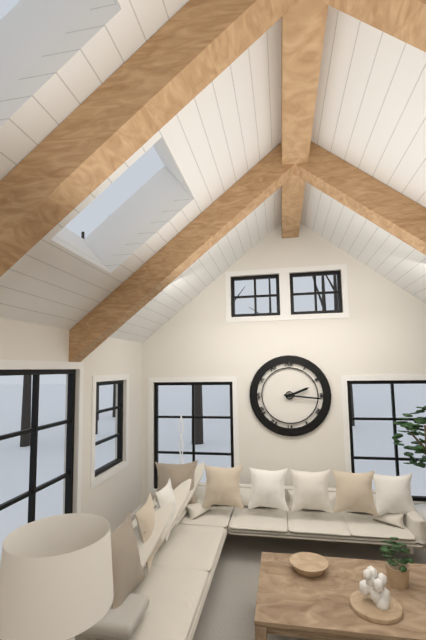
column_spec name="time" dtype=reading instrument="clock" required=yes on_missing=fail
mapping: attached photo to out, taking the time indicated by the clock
2:16
